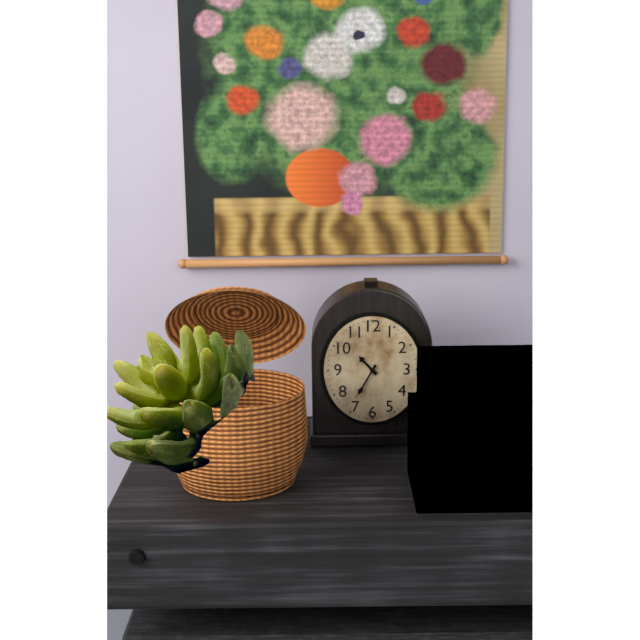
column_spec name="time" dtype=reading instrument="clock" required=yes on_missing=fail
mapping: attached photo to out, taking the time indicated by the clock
10:35
